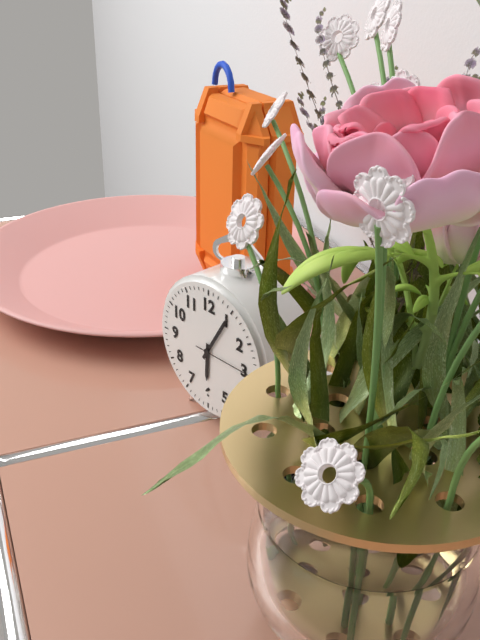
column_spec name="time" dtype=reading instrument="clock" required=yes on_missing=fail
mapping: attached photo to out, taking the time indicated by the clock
6:05:15
